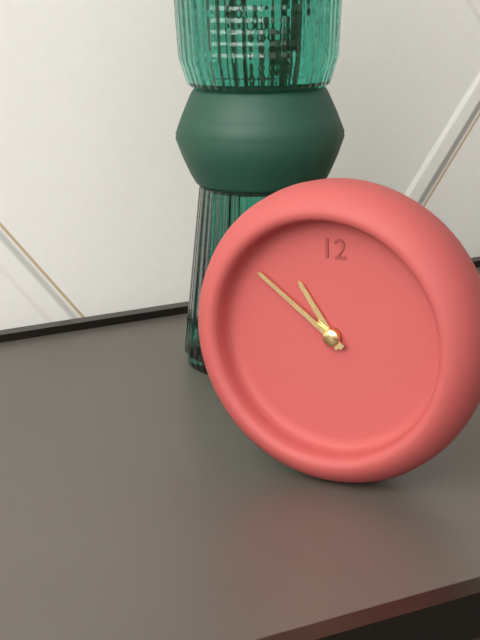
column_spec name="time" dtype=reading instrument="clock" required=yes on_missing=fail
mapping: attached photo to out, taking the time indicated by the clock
10:51
